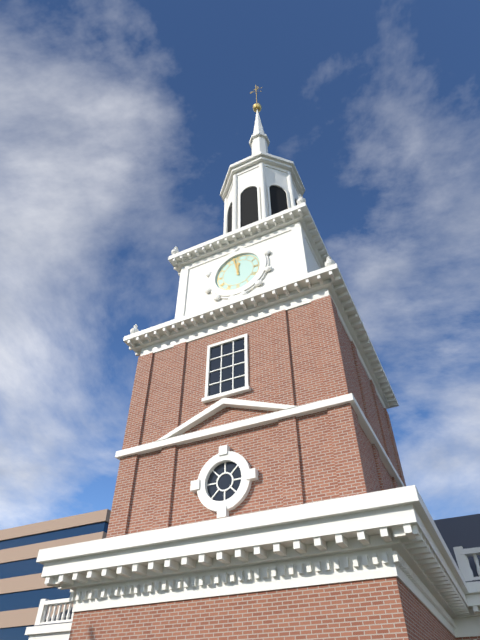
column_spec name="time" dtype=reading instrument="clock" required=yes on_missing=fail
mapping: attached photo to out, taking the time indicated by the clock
11:58
